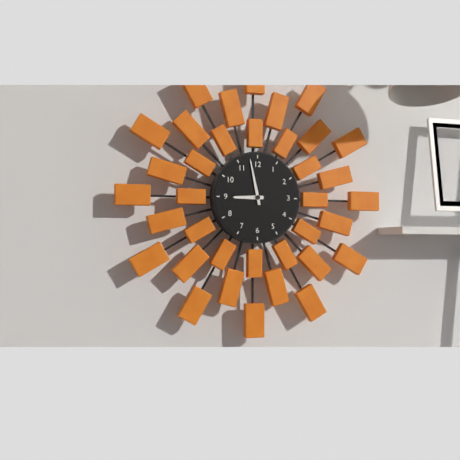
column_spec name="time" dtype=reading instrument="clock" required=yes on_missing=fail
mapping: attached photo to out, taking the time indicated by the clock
8:58
